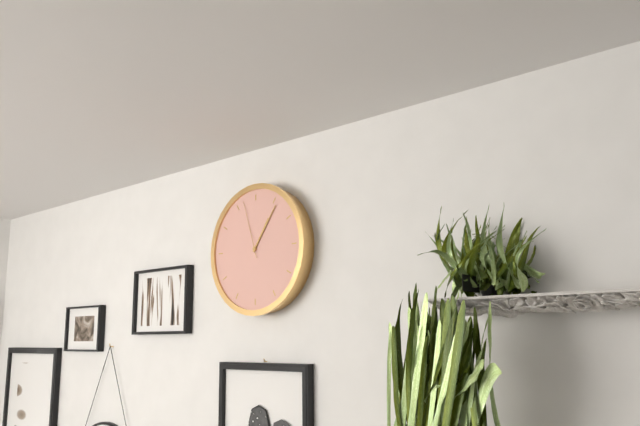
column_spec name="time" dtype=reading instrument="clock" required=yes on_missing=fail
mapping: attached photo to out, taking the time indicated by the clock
1:06:57
